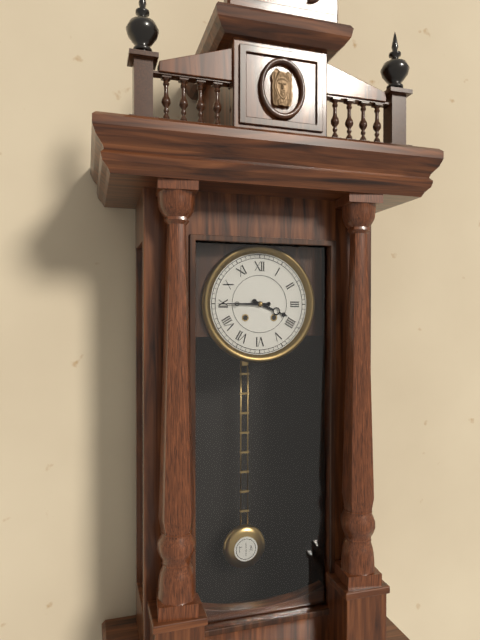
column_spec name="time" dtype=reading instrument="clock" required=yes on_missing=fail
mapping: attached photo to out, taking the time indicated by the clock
3:45
